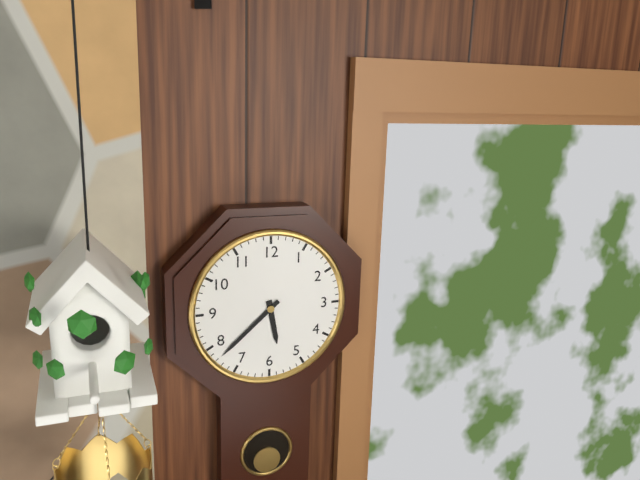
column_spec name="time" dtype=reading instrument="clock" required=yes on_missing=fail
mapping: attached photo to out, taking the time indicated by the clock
5:38
